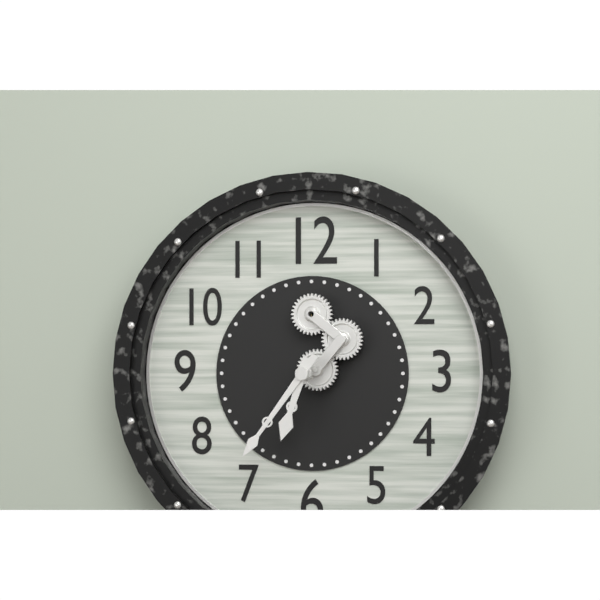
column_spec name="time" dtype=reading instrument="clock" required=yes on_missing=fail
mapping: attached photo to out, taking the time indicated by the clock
6:36
